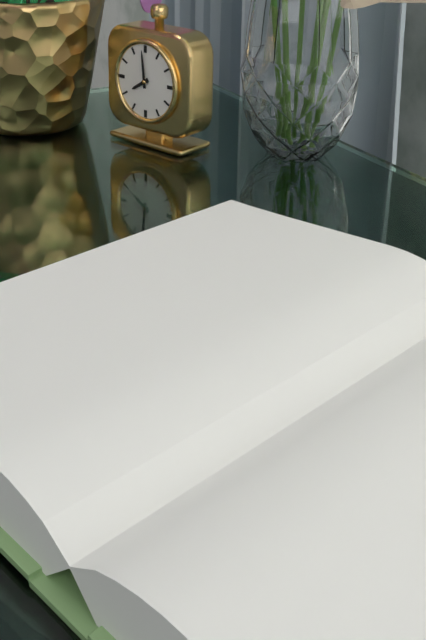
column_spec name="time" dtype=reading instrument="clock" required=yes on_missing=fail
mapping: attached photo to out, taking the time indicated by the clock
7:59
